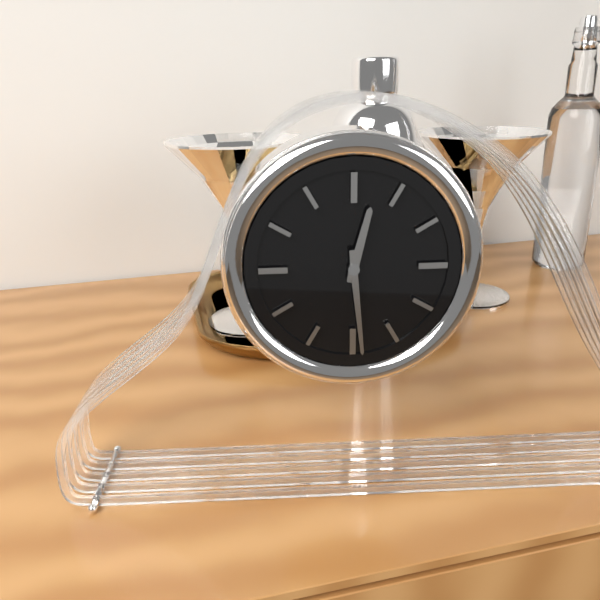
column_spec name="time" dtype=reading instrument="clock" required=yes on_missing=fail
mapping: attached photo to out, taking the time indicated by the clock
12:29
